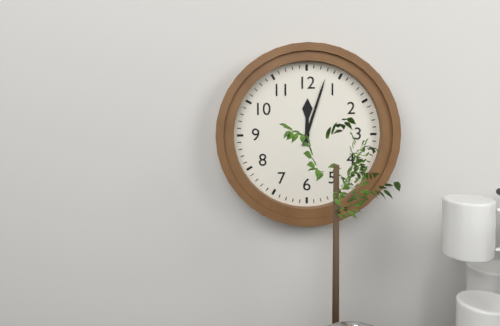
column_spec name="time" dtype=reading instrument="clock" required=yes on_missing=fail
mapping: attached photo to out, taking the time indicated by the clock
12:03
